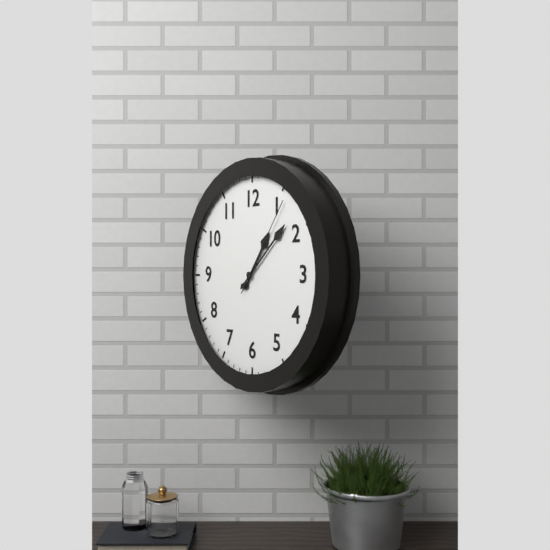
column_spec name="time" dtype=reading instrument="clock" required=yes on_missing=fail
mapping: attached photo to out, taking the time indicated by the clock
1:08:06
